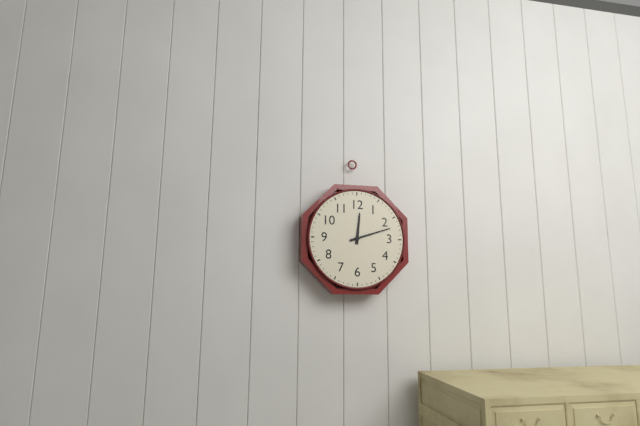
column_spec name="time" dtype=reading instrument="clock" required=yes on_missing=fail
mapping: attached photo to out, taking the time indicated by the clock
12:12
